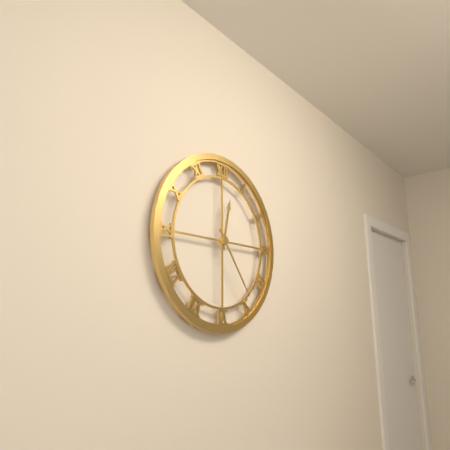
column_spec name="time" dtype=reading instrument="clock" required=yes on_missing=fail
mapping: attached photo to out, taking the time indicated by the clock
12:24
